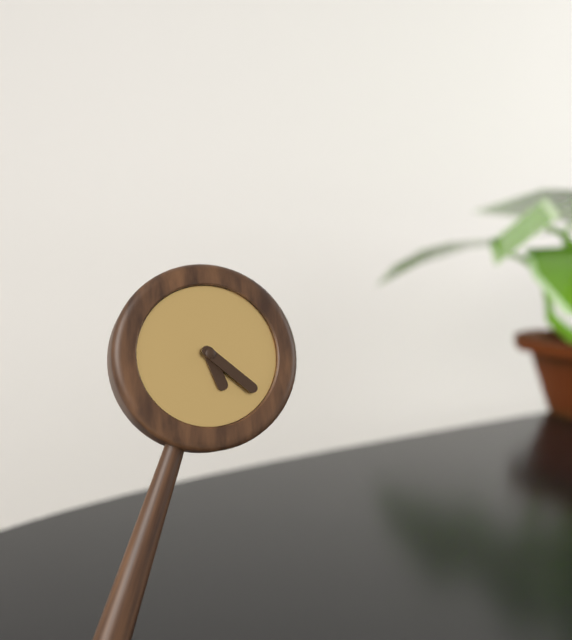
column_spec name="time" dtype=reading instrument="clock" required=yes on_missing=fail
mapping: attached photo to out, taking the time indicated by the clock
5:22
